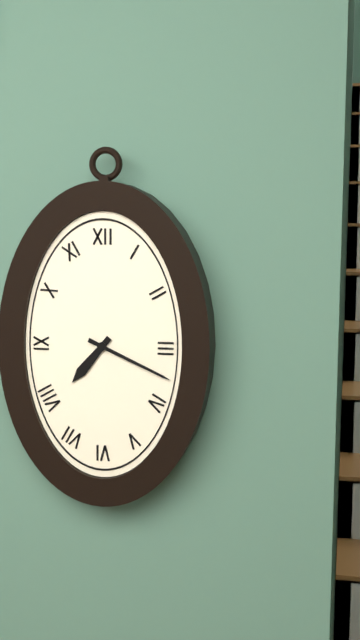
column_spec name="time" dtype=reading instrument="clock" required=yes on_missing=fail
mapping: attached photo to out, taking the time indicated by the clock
7:19
